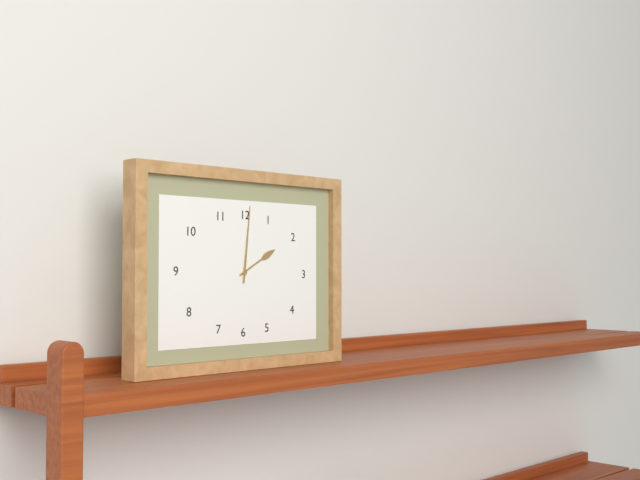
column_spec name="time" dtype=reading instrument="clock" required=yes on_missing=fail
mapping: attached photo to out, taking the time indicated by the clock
2:01
